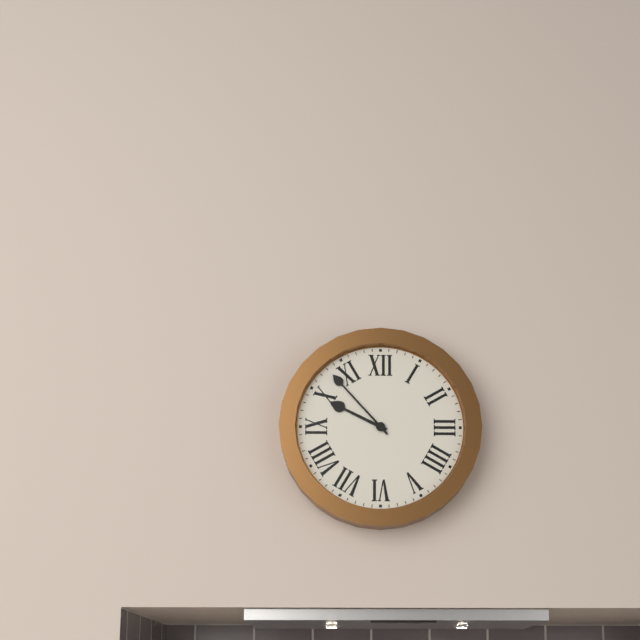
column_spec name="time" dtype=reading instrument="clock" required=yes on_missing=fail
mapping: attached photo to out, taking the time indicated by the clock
9:53
